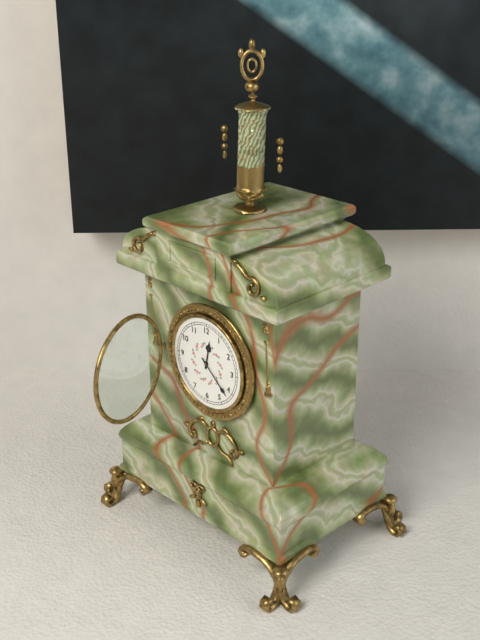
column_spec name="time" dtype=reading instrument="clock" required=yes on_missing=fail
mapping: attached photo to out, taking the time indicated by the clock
12:22
